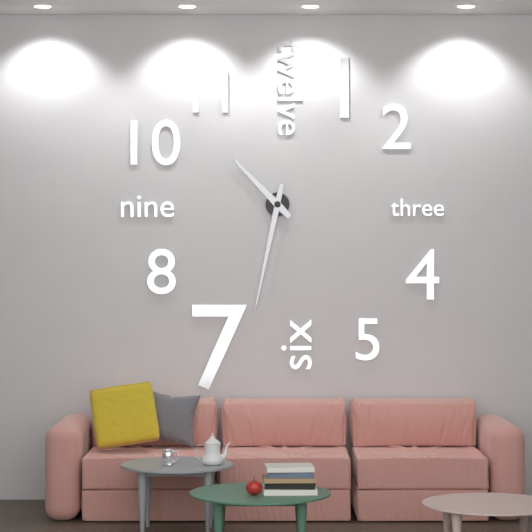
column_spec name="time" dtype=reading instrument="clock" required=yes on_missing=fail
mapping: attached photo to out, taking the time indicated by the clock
10:32
